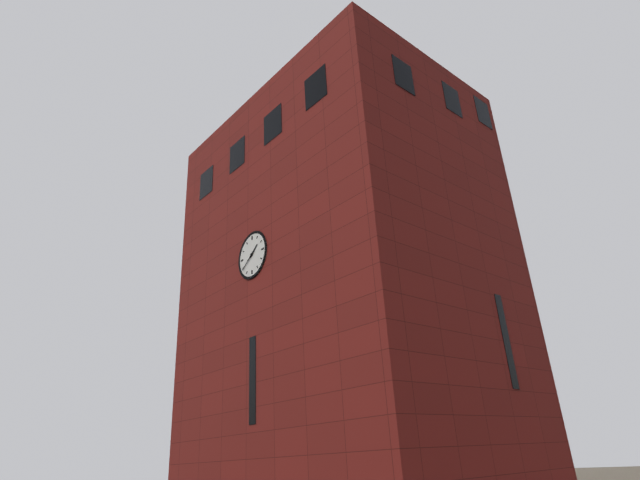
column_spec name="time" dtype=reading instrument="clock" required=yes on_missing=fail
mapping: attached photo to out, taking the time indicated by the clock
1:39
